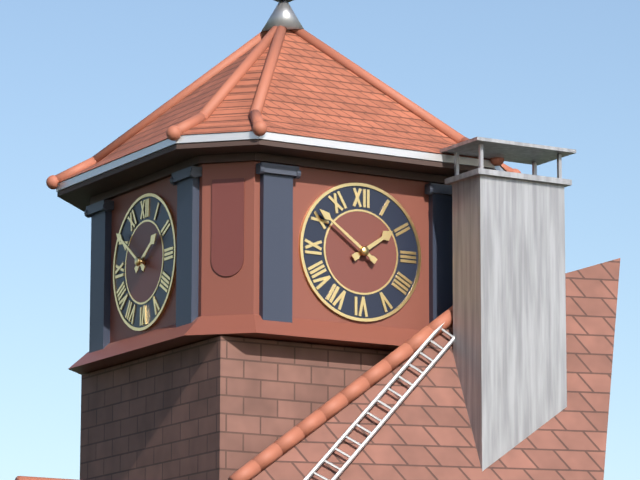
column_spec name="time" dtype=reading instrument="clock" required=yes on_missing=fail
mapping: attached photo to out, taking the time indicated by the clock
1:51
